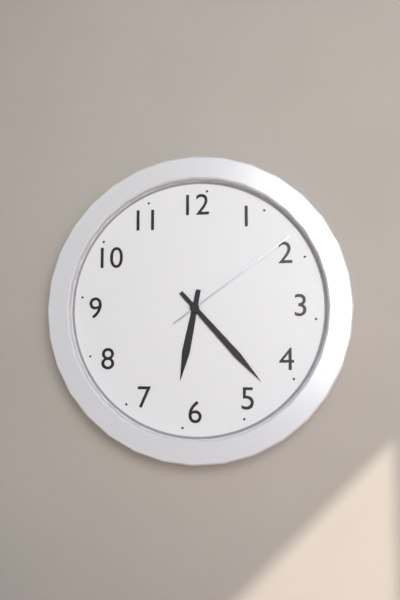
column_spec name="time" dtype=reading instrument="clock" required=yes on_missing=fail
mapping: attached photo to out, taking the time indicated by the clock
6:23:09
